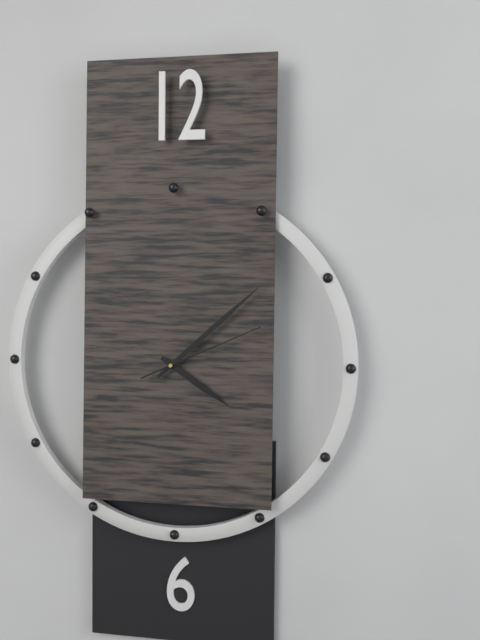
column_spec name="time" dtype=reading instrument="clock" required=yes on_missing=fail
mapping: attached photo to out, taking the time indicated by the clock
4:08:11
